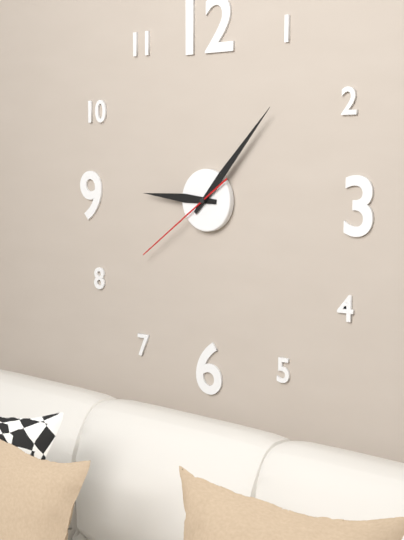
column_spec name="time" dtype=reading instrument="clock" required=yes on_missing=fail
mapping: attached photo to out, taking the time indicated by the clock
9:07:39
